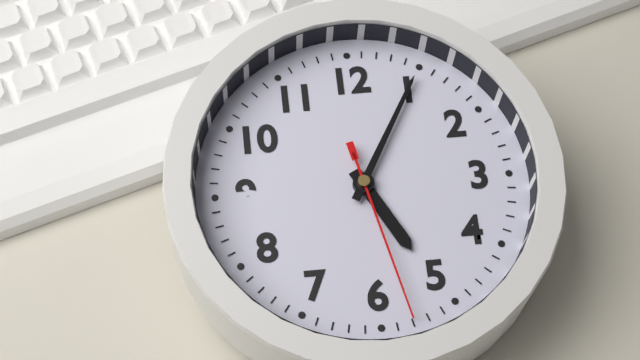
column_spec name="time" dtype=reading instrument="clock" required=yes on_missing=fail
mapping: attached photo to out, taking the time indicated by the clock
5:05:28
